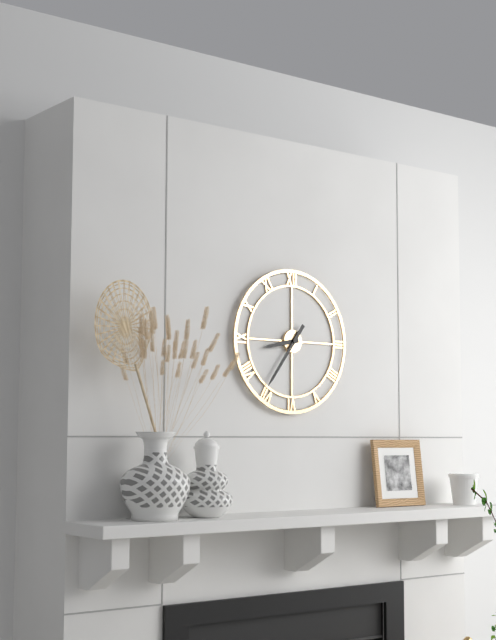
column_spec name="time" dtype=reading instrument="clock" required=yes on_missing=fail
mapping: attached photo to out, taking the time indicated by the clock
8:36
